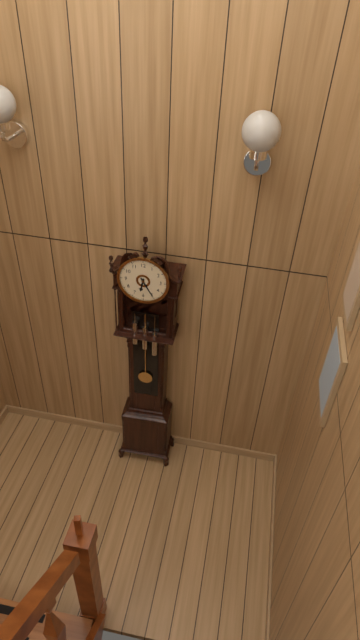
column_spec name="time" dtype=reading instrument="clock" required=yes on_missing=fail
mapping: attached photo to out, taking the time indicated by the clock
6:25
